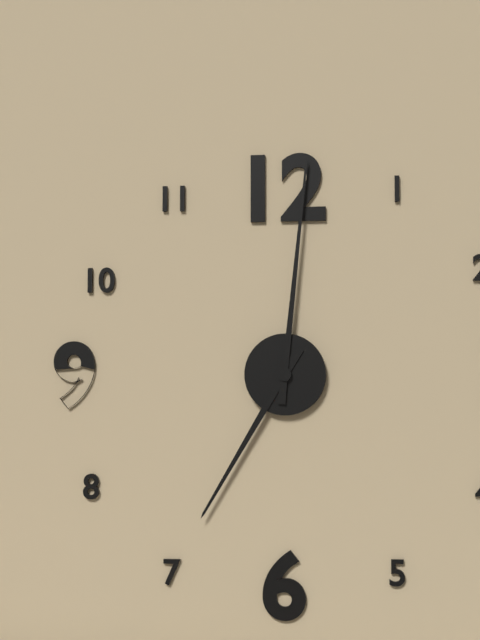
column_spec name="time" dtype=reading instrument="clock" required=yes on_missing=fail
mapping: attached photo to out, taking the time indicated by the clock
7:01
